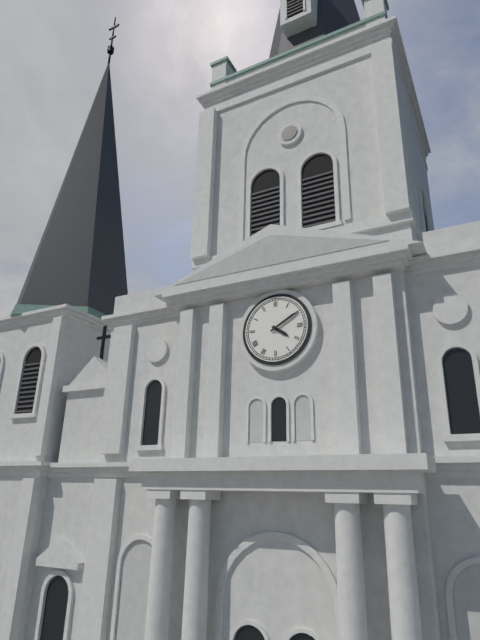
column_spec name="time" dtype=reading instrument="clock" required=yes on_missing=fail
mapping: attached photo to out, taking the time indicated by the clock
4:10
